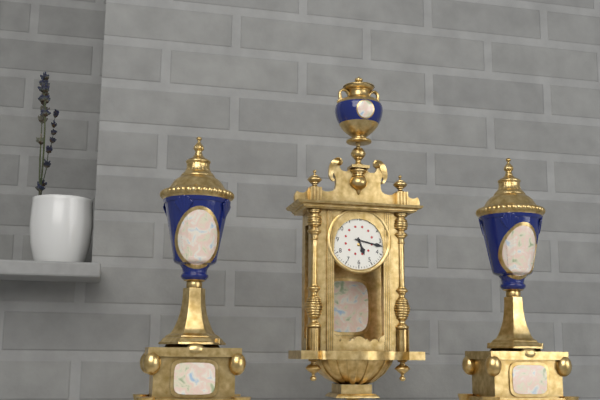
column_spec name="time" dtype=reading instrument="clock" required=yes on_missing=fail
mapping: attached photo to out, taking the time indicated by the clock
5:17
